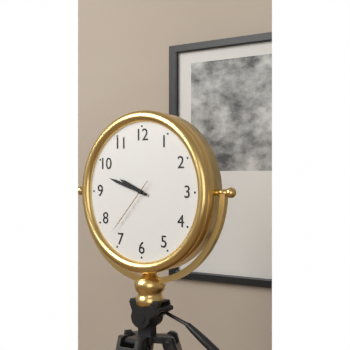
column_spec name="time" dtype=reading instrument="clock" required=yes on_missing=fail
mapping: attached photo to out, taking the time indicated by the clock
9:48:37
